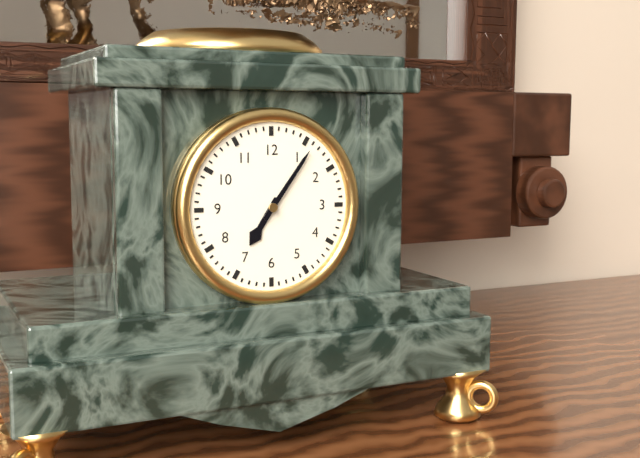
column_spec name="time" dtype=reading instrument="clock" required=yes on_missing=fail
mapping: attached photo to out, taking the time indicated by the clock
7:06
